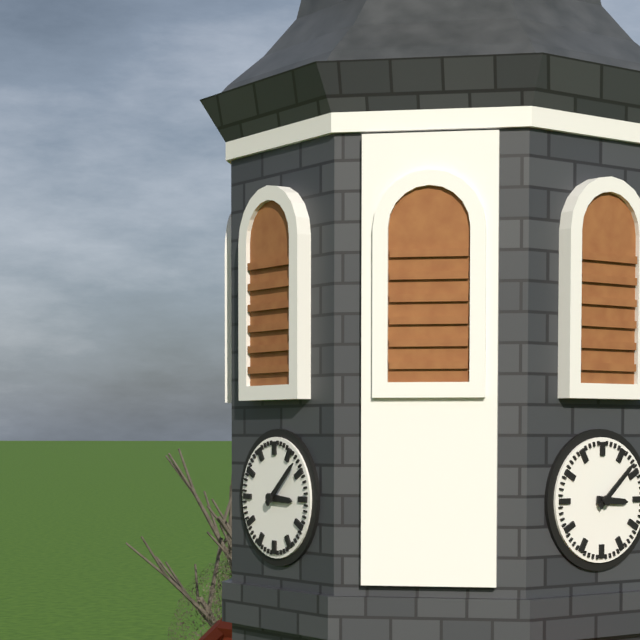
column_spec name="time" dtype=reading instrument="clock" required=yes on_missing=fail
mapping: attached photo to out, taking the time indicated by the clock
3:08
